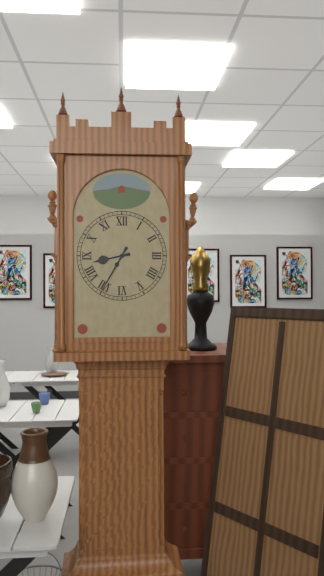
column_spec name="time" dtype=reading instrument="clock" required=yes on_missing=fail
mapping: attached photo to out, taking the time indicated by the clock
8:35
